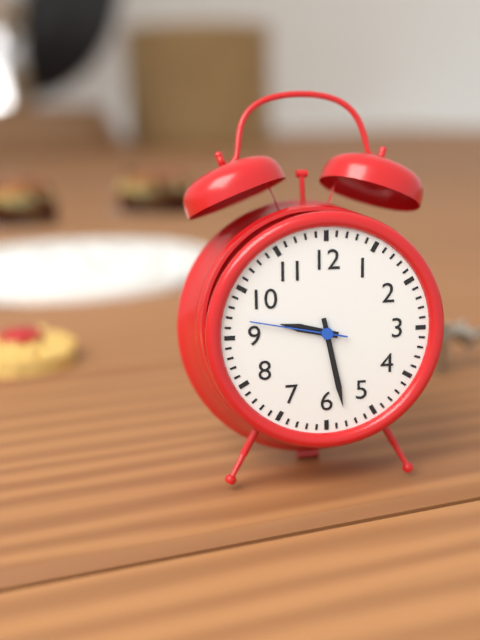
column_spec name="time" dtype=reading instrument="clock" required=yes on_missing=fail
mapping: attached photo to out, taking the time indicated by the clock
9:28:47
